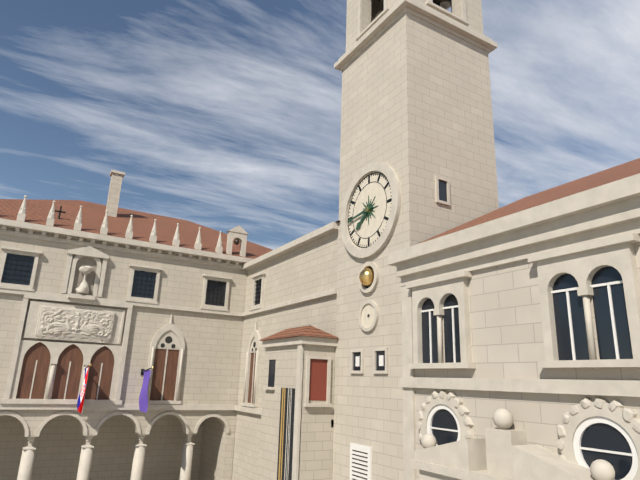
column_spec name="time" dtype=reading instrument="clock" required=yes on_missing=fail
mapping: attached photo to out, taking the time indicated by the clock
7:44
